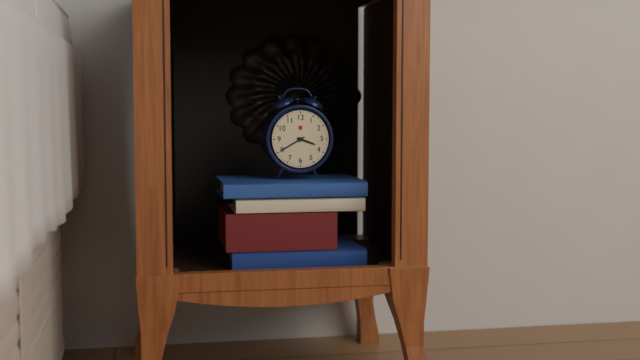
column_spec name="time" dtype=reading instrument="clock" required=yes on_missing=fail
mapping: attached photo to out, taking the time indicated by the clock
3:40
